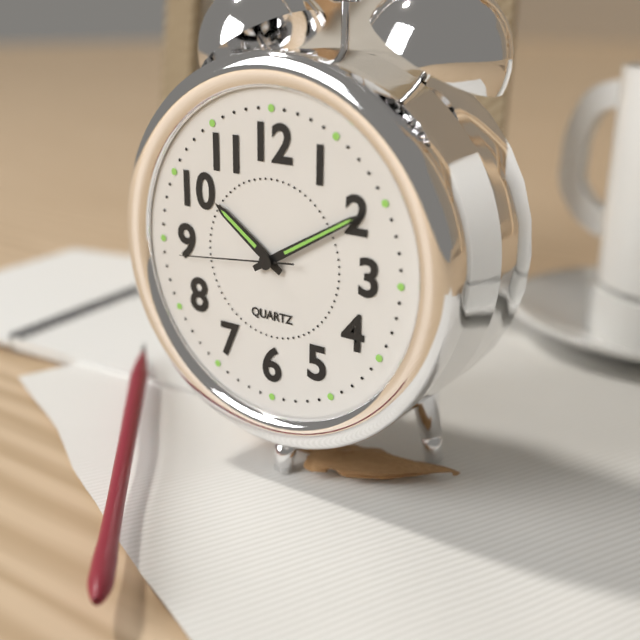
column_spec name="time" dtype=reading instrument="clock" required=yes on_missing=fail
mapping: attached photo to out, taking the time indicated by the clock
10:10:44
